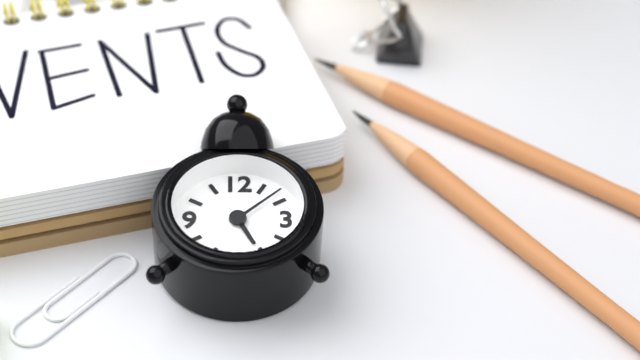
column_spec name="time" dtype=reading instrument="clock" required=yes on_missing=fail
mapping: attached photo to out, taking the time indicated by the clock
5:08
